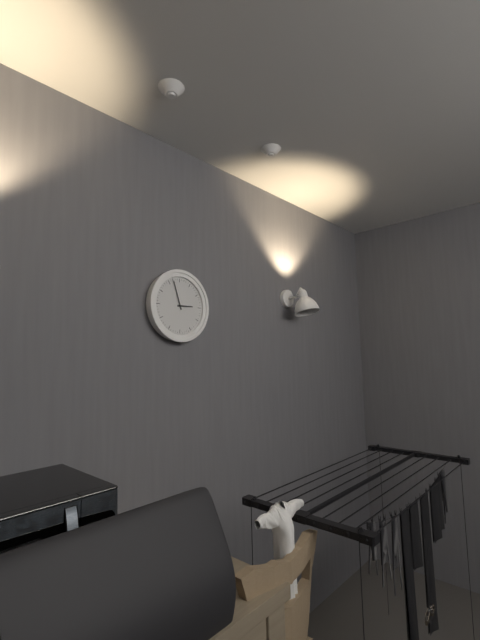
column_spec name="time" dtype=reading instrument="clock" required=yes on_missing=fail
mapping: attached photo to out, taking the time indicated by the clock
2:57
